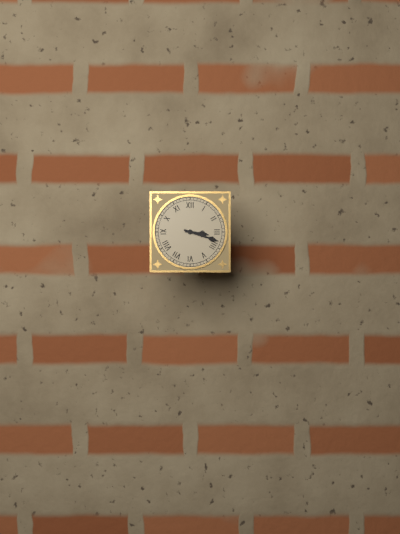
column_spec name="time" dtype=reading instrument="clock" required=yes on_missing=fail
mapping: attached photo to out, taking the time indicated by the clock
3:18
